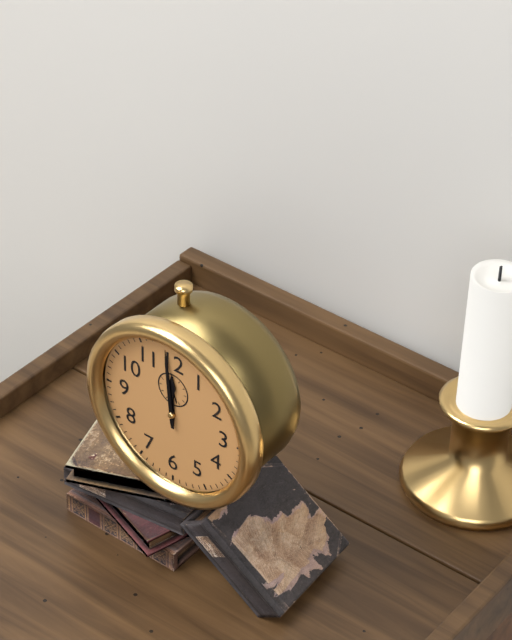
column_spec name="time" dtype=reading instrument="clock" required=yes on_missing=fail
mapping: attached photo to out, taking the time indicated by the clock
11:59
